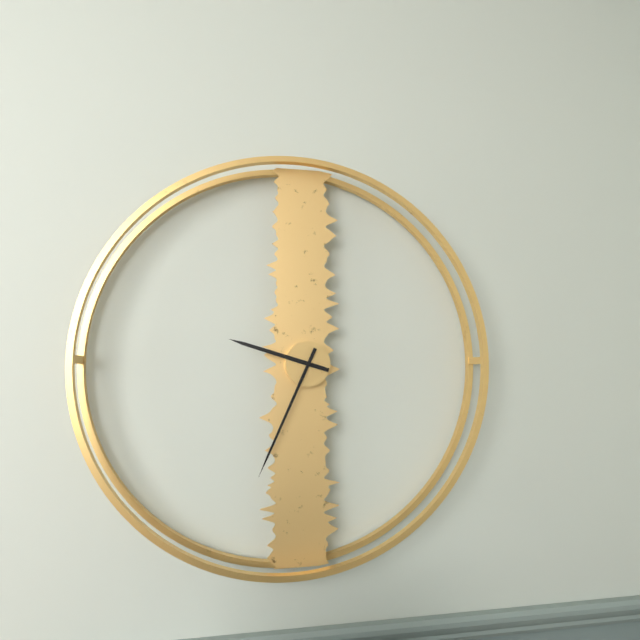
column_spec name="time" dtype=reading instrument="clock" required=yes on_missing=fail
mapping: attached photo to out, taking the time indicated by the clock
9:34
